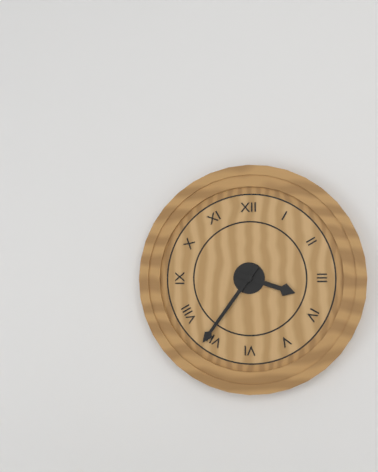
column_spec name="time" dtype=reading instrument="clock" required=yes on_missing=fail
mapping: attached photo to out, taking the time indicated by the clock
3:36
